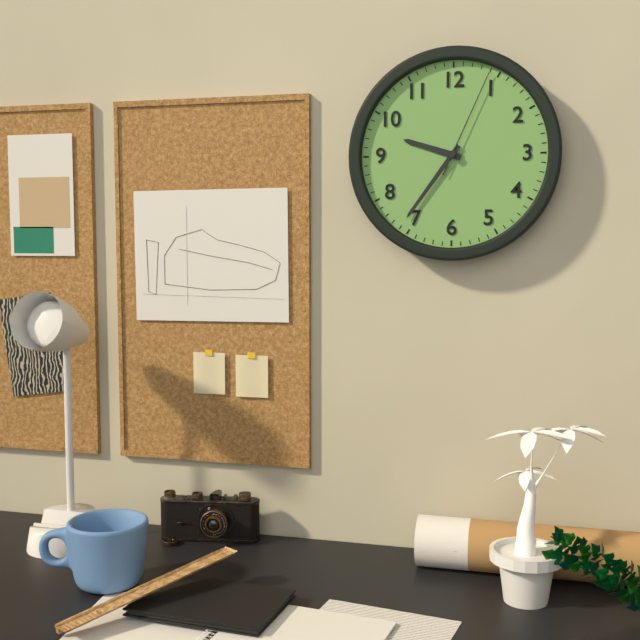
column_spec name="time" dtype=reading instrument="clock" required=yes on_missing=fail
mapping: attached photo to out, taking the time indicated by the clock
9:36:04
